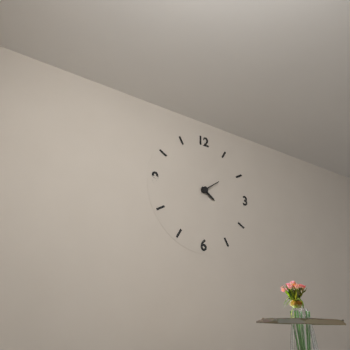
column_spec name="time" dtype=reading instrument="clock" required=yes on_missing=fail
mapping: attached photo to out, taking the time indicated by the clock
4:09
